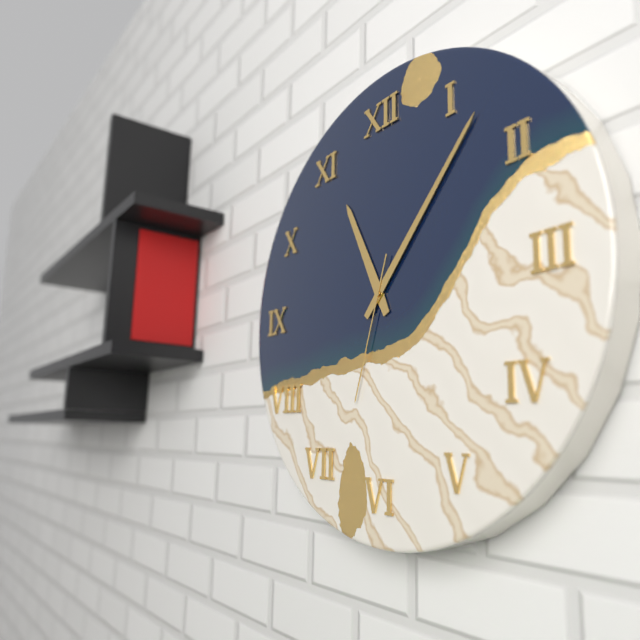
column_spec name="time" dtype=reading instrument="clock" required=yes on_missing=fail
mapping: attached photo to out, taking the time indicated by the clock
11:07:33
